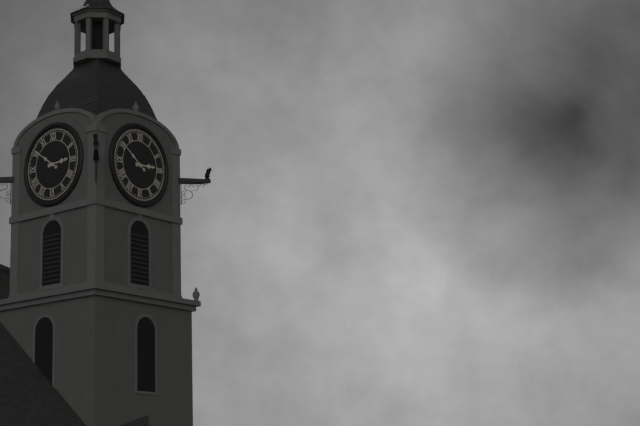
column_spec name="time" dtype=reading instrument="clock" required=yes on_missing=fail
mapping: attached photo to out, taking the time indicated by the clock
2:51
